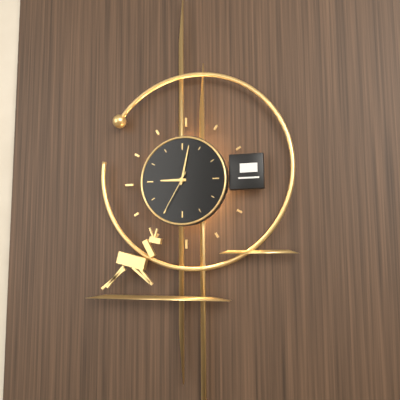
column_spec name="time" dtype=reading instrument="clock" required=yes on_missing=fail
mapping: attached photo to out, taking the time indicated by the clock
9:02
